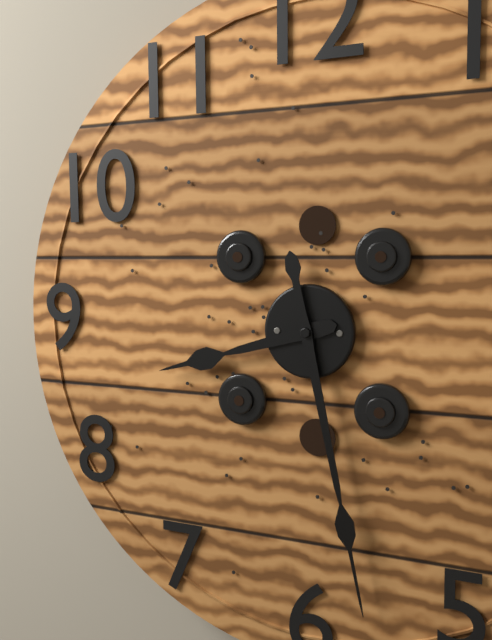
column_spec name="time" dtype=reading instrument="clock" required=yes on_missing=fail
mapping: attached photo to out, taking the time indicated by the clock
8:28
